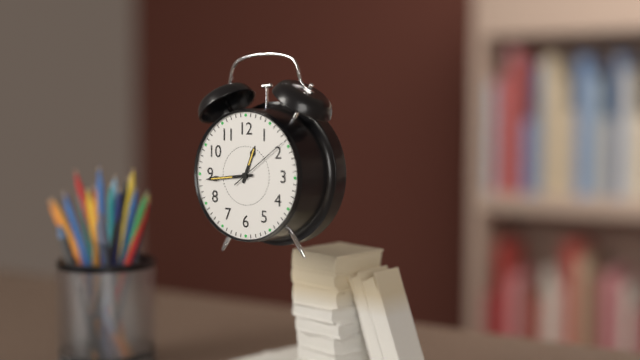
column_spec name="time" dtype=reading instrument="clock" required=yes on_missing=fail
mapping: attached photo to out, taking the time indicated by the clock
12:44:09
